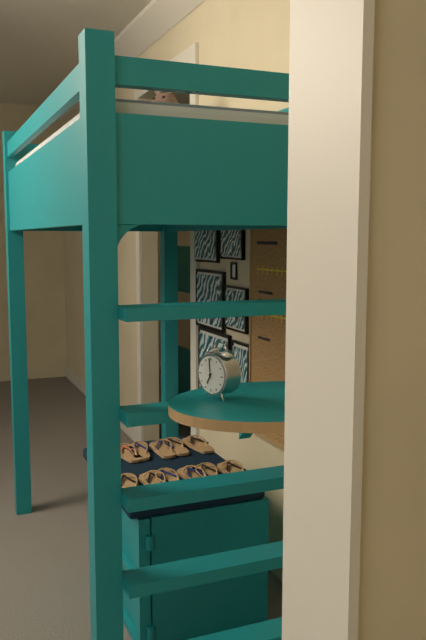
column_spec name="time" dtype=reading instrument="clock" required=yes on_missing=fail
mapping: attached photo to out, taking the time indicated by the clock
6:59
